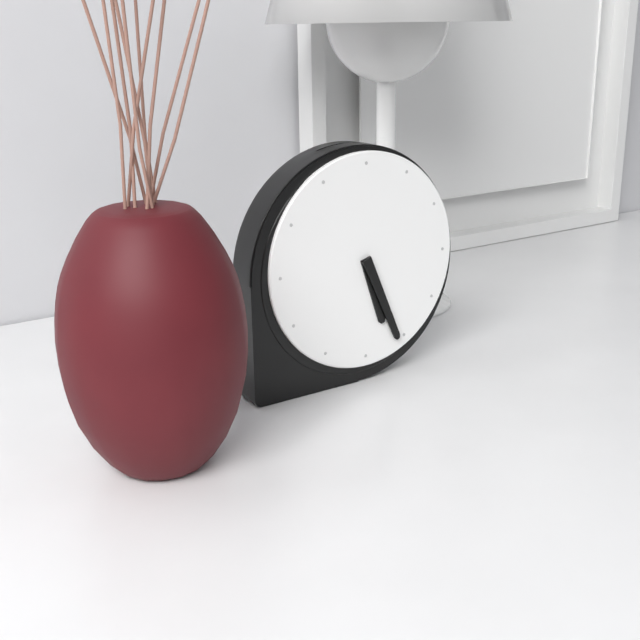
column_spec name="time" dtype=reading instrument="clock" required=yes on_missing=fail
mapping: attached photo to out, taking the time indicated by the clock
5:26
